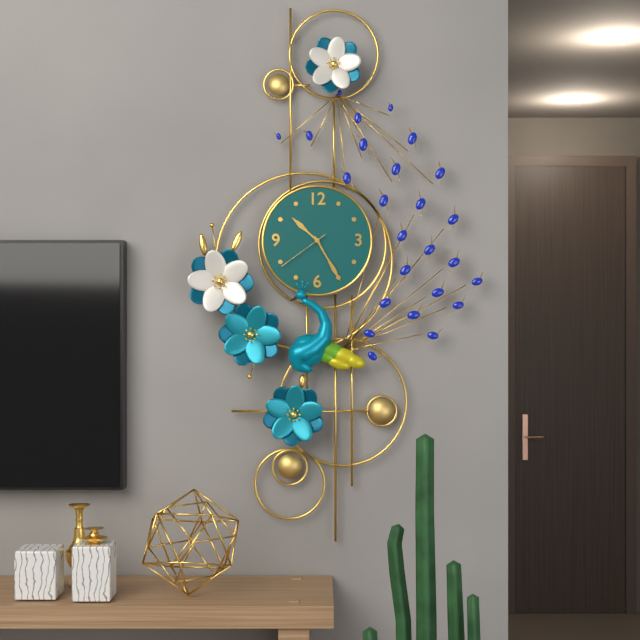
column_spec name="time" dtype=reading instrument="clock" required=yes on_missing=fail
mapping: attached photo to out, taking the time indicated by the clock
10:25:39
